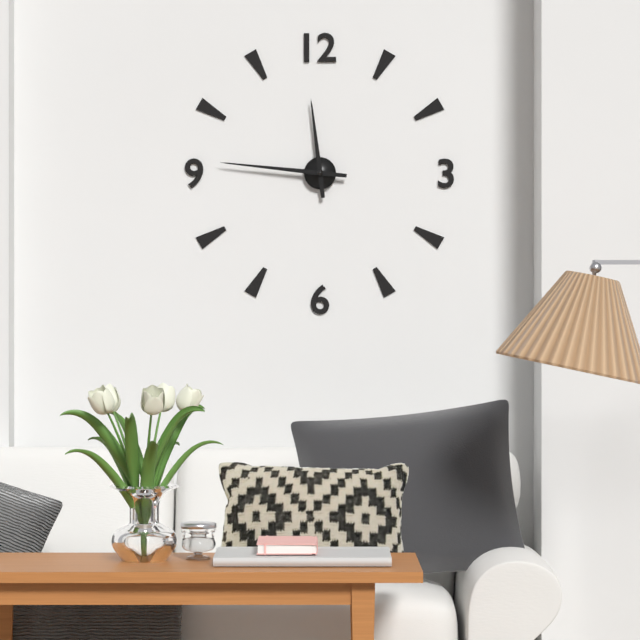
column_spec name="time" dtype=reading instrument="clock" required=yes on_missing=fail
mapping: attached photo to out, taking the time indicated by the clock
11:46
